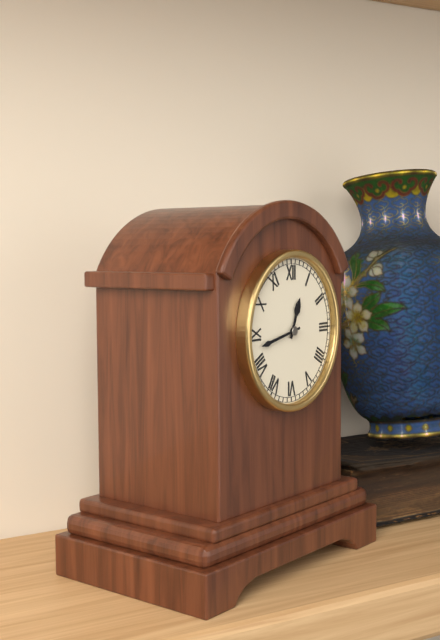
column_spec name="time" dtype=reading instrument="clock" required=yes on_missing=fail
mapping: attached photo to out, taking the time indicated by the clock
12:43
